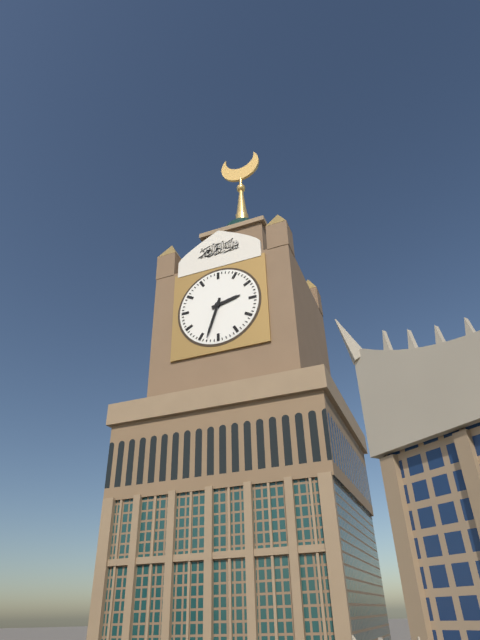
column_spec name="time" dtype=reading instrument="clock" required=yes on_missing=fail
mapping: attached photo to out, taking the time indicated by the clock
2:33
